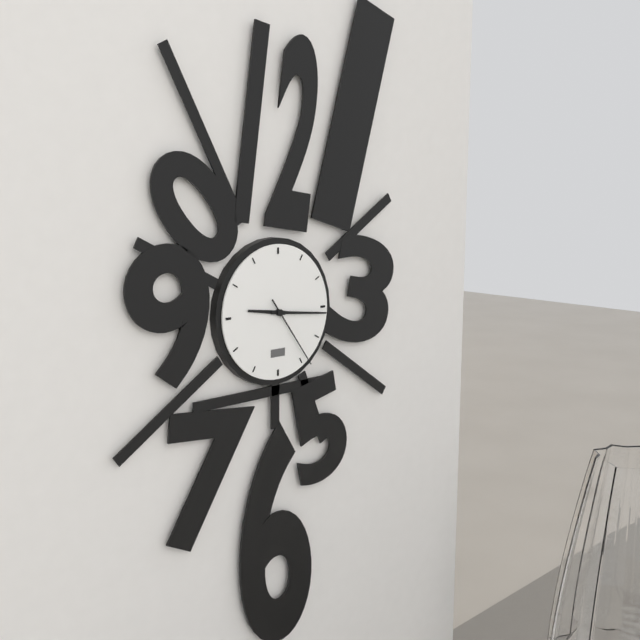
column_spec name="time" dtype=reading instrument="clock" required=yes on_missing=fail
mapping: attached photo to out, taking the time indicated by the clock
9:16:24
